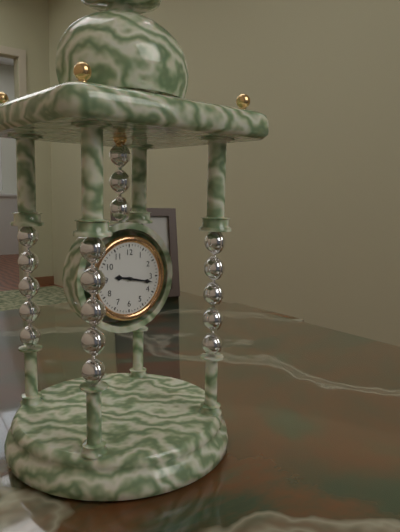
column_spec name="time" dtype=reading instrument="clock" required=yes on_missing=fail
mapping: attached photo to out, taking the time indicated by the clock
9:17
